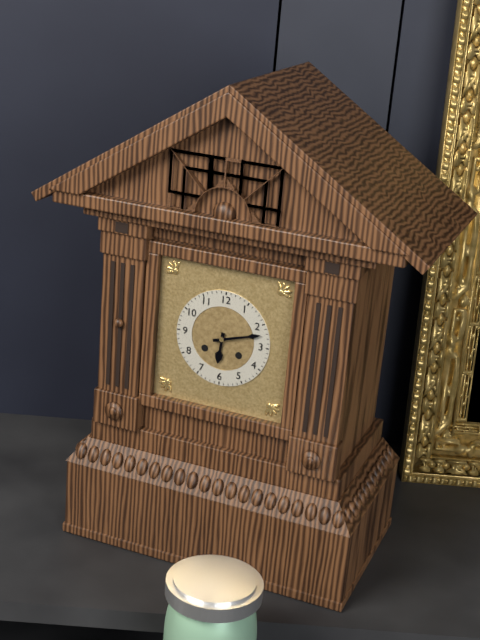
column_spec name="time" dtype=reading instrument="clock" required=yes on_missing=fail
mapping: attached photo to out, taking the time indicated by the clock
6:12
